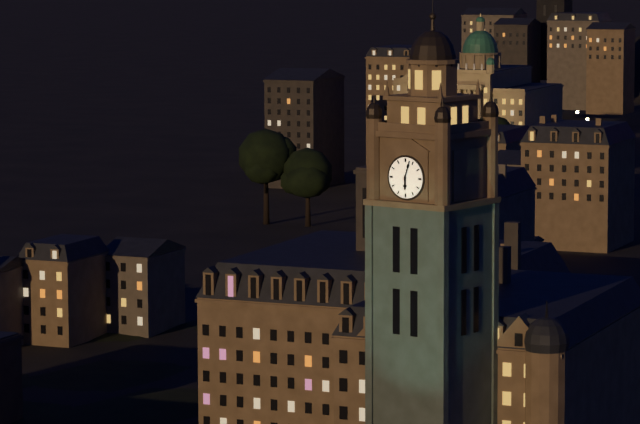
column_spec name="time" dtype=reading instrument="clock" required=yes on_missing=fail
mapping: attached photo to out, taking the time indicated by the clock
6:03
